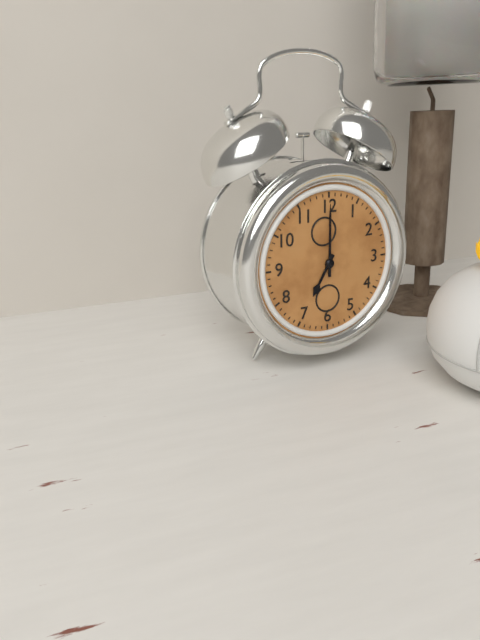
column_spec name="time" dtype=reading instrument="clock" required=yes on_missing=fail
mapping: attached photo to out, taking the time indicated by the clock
7:00
